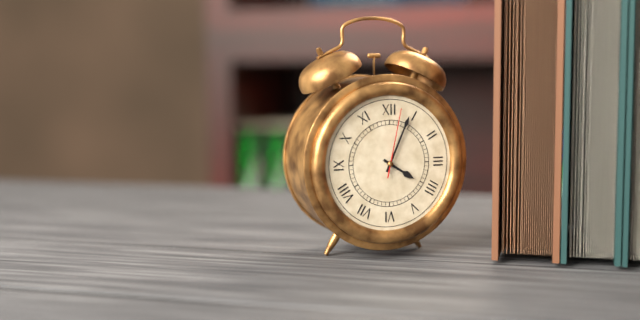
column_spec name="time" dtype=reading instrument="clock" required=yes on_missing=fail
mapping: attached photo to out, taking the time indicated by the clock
4:04:02
